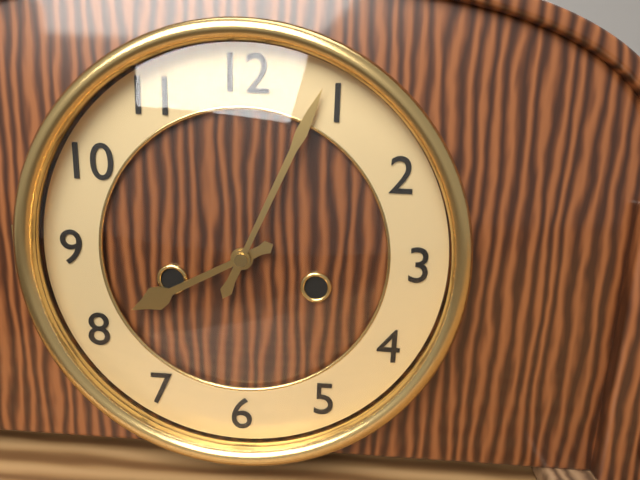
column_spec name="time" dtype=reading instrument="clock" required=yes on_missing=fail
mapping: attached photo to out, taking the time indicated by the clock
8:04
